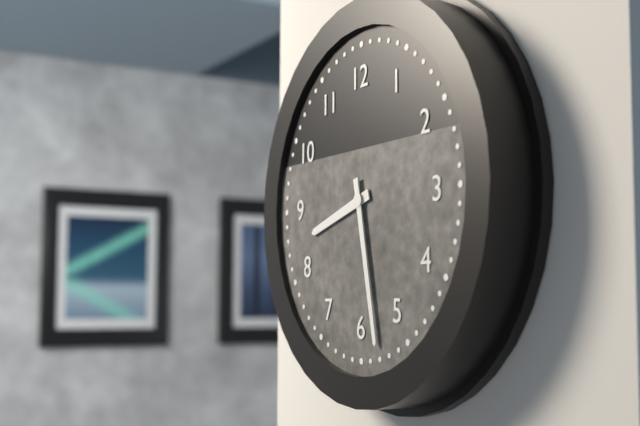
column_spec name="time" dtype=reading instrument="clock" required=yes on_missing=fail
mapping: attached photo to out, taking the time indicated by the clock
8:28
